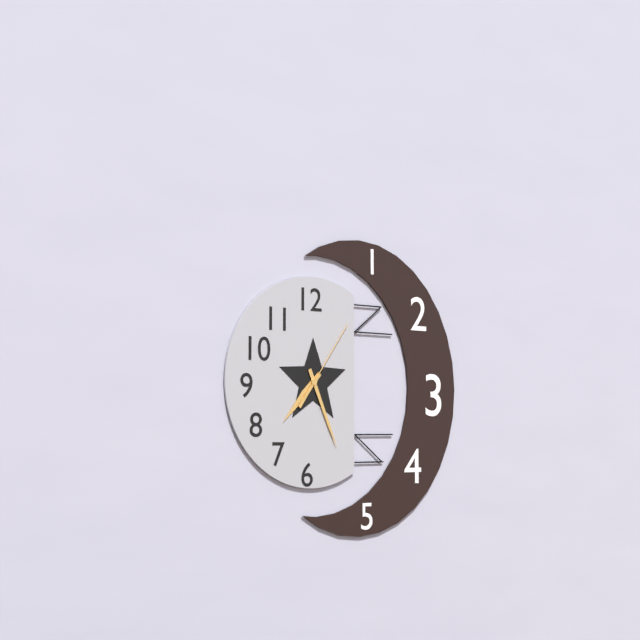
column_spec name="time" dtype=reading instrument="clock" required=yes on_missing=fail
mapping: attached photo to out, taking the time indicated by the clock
7:26:06
